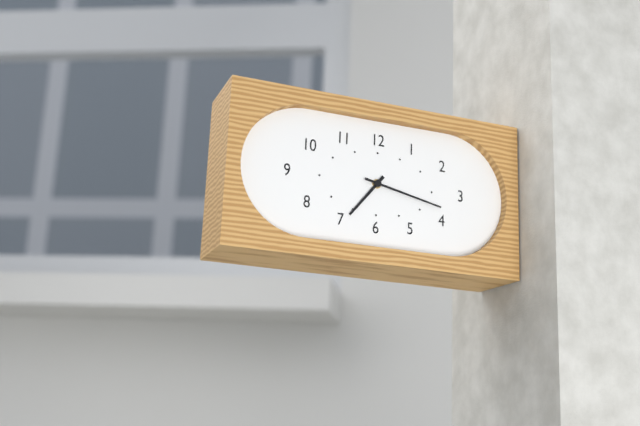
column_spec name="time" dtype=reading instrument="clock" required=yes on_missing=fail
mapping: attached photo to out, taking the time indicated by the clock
7:17
